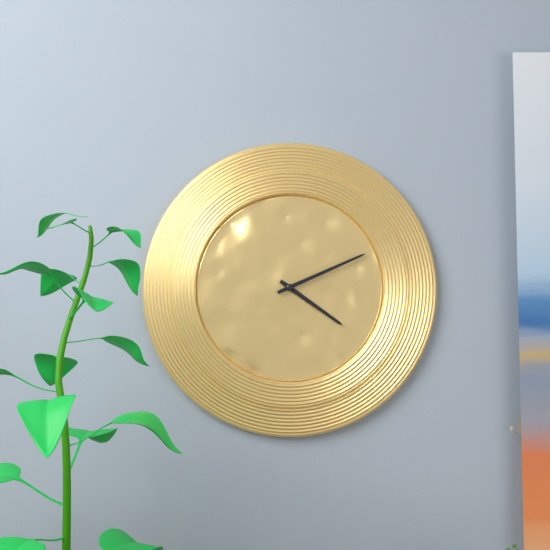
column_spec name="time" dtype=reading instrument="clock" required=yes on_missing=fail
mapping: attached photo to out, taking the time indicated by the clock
4:11
